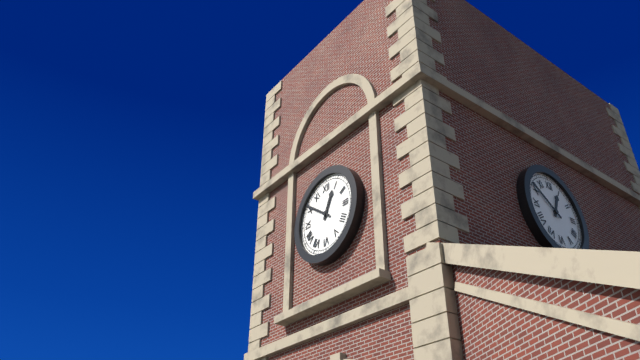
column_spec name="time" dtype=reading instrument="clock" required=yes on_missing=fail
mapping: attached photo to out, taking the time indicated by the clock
12:51
